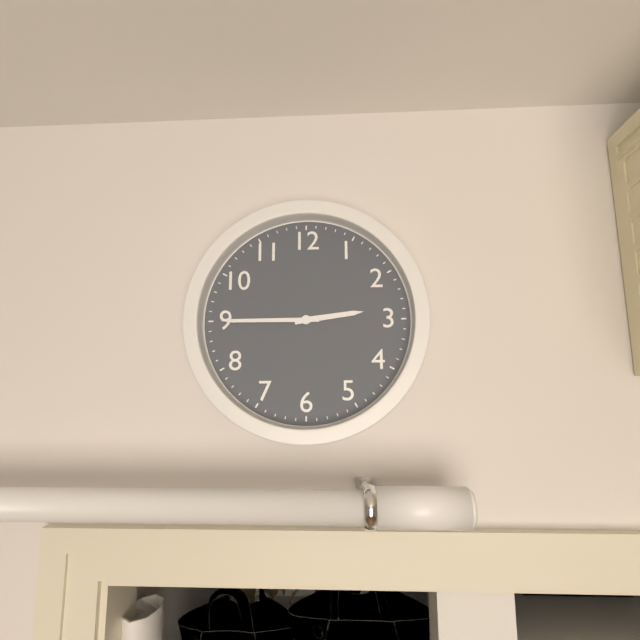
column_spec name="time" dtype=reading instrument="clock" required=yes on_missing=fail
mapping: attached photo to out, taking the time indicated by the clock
2:45
